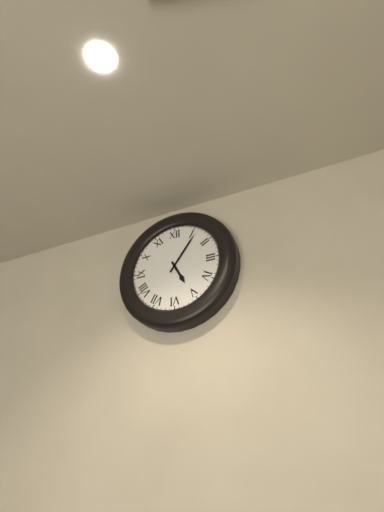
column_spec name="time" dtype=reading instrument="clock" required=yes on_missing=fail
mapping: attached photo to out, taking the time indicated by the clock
5:06
